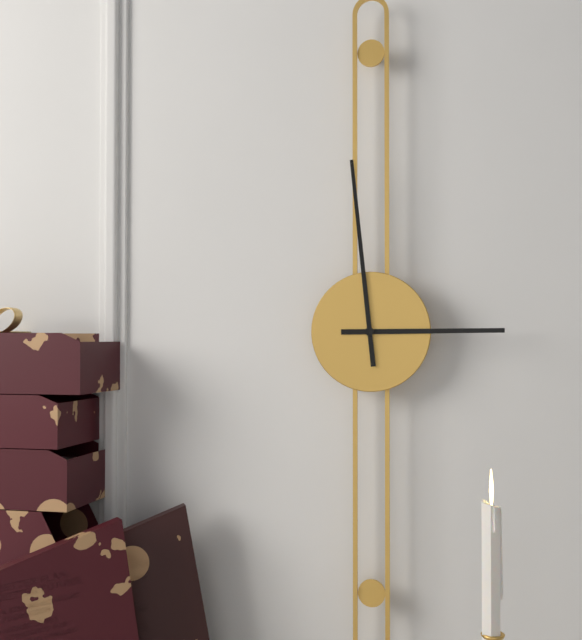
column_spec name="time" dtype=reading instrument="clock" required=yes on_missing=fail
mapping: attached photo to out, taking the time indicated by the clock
2:59
